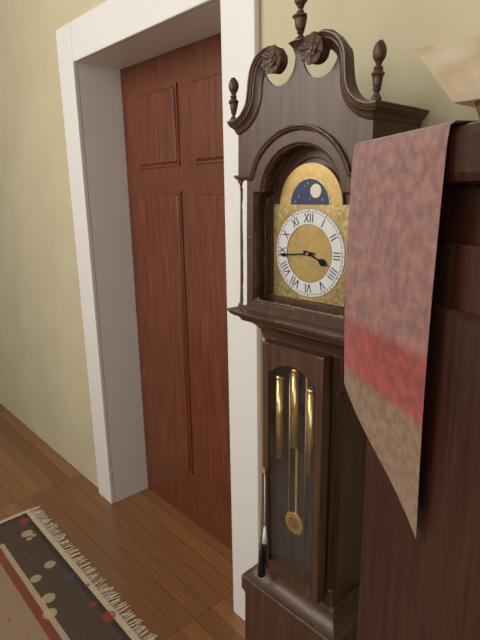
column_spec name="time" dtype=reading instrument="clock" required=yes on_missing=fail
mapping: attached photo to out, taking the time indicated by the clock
3:44
